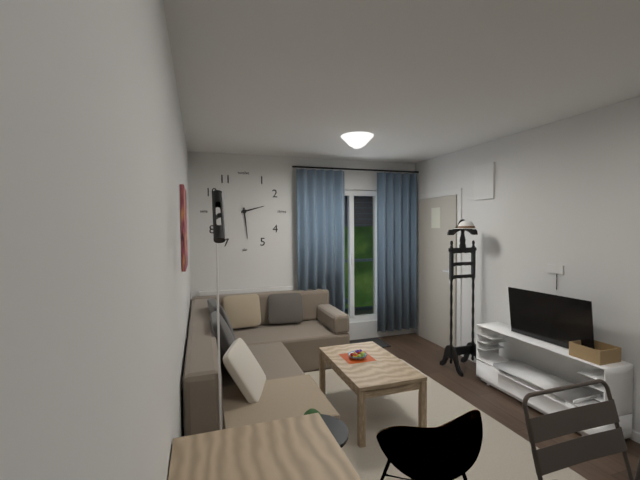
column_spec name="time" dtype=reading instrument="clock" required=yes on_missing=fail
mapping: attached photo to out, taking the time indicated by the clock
2:29
